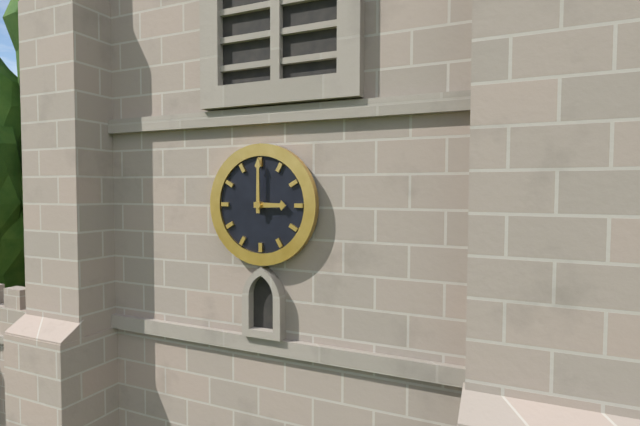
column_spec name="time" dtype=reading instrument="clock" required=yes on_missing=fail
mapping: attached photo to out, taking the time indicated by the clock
3:00
